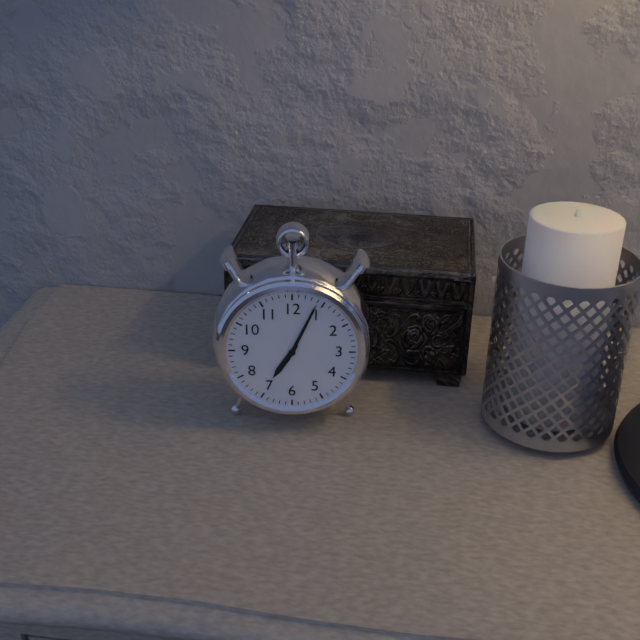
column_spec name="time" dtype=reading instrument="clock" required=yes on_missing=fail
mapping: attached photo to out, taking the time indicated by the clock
7:04
